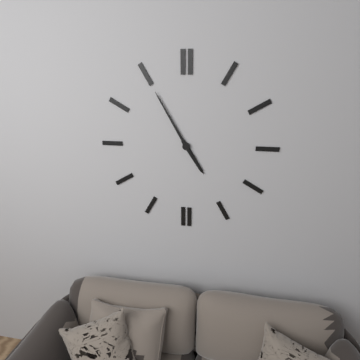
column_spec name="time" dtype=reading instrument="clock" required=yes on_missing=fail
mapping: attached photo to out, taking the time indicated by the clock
4:55
